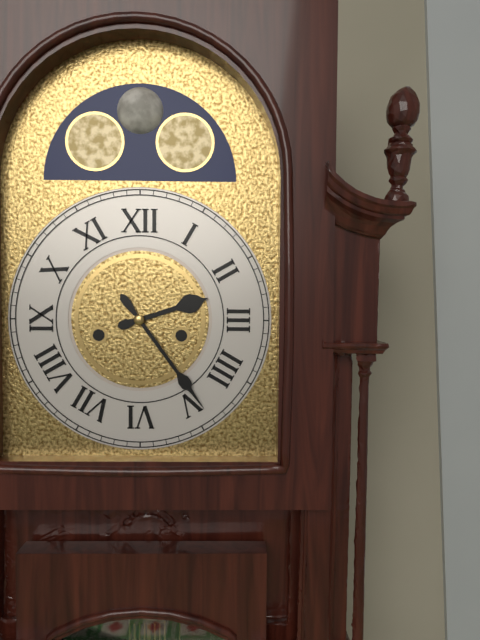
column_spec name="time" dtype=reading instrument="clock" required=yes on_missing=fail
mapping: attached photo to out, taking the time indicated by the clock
2:24
